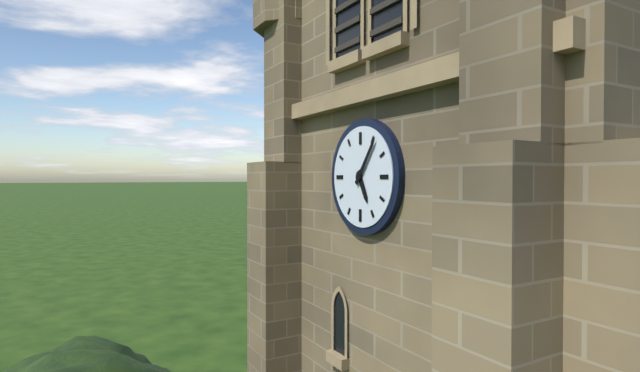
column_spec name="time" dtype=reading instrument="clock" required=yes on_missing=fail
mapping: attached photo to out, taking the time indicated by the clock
5:06
